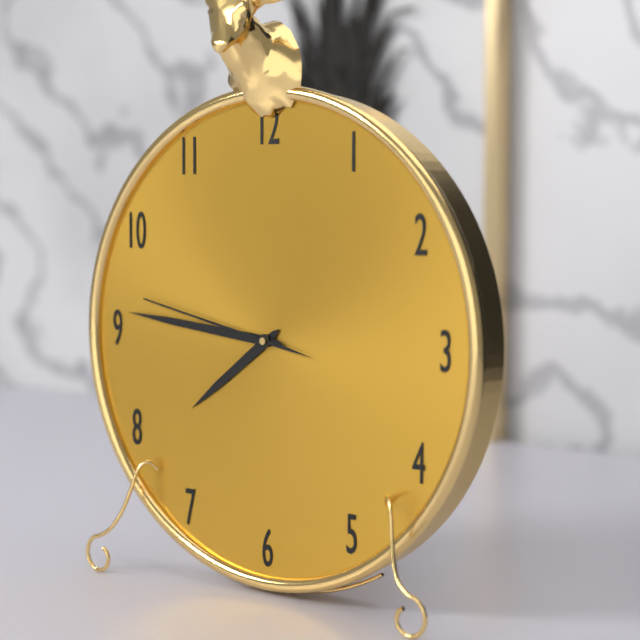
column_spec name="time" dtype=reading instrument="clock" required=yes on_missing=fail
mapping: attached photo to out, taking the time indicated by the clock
7:46:47
